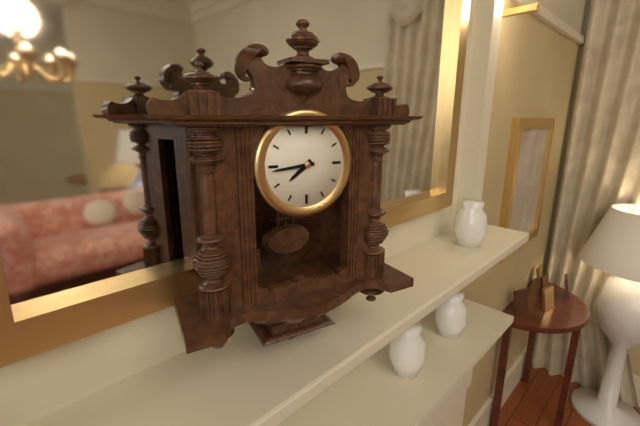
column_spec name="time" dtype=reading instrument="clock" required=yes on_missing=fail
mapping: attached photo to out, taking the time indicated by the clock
7:44
